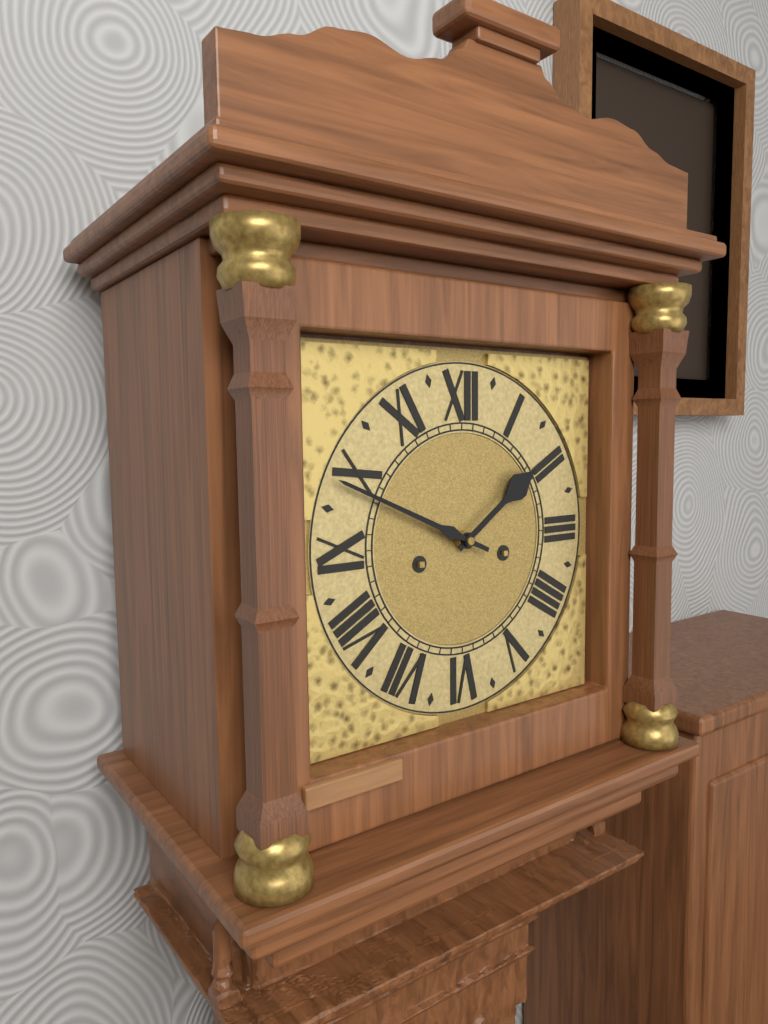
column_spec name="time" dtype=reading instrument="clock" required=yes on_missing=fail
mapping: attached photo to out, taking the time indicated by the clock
1:49
